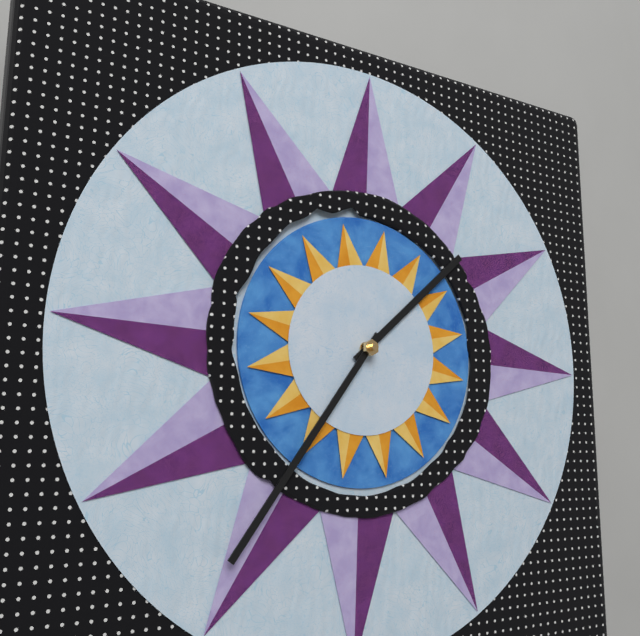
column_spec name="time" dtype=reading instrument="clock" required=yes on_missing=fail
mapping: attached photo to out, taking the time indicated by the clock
1:36
